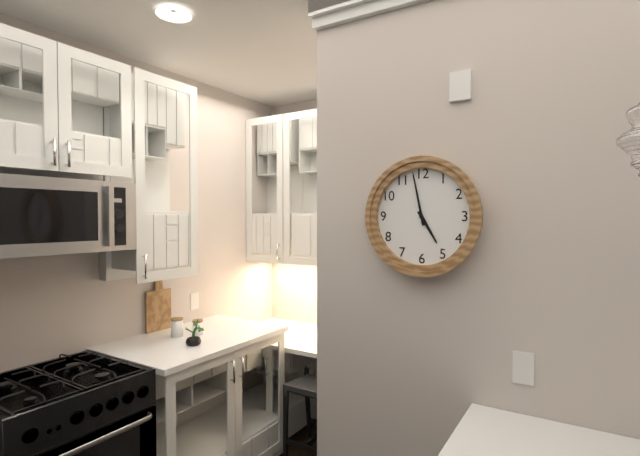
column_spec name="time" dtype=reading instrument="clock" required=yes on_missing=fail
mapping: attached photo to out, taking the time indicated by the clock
4:58
